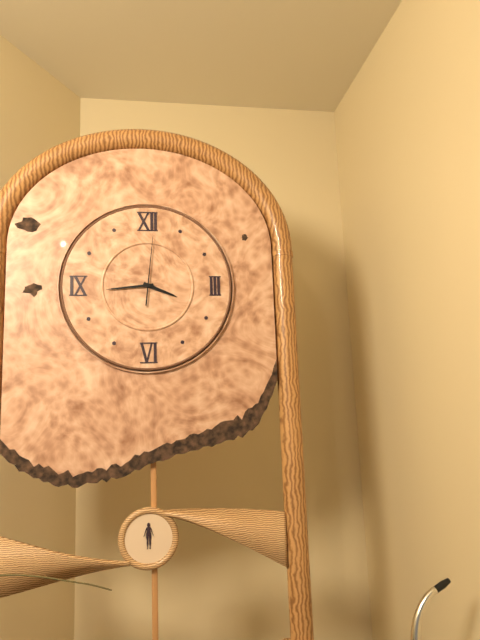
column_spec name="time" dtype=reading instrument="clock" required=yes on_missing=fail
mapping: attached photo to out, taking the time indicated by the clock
3:44:01
